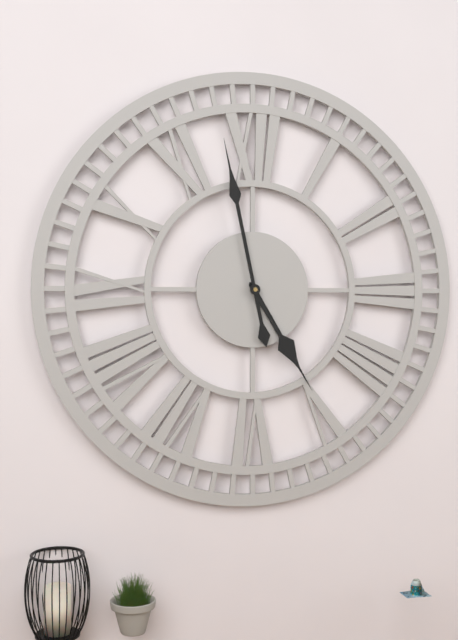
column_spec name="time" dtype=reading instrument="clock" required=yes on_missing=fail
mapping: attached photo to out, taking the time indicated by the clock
4:58
